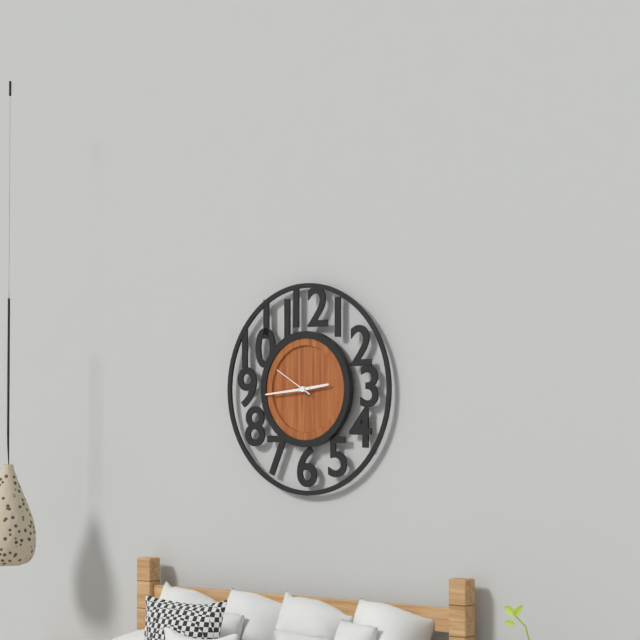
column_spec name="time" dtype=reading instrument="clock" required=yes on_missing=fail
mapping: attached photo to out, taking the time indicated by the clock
2:44
